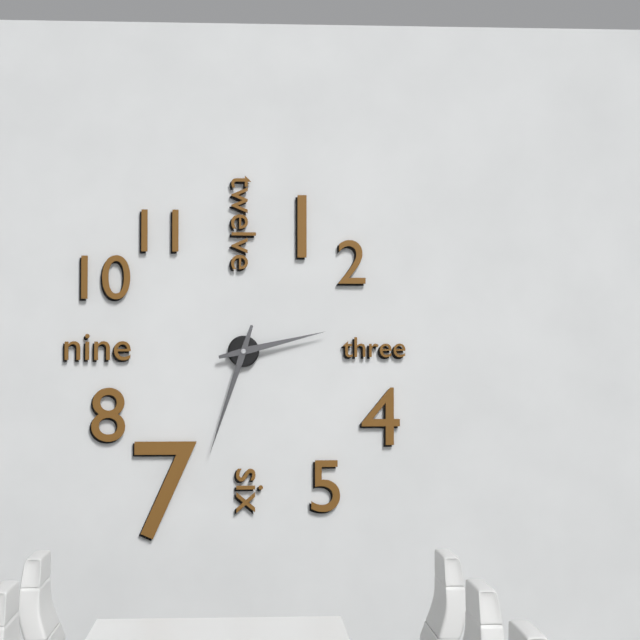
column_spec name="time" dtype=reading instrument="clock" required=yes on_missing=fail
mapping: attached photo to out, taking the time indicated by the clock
2:33
